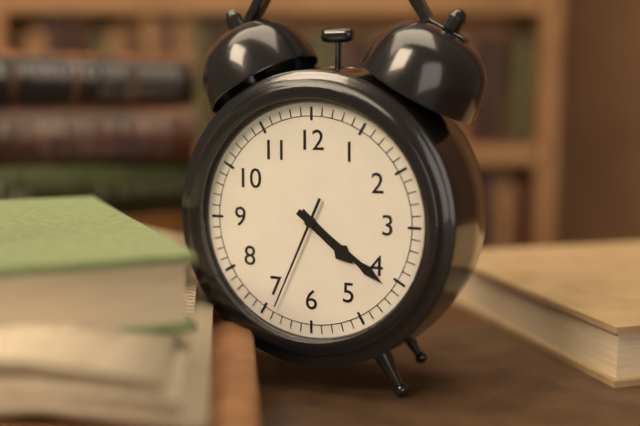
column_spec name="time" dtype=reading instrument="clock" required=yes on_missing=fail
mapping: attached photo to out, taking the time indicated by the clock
4:21:34
